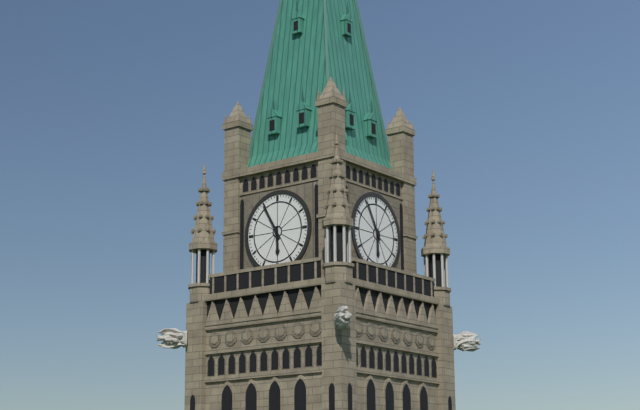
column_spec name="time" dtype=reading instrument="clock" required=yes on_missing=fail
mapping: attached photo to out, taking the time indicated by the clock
5:55
